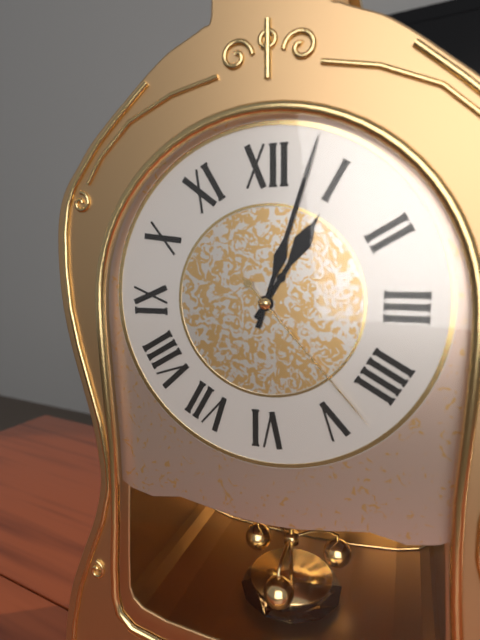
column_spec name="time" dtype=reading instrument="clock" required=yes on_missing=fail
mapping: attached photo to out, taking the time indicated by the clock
1:03:23
